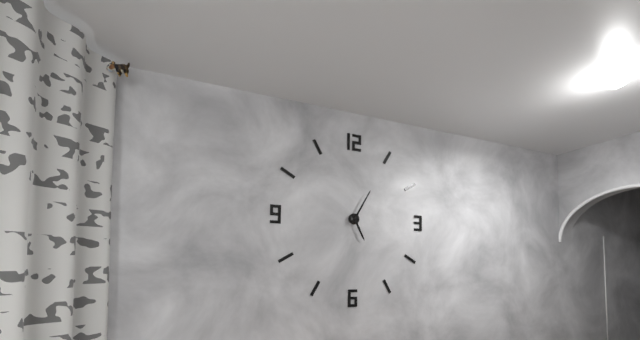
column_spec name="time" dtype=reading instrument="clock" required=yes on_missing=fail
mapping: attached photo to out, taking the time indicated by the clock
5:05
